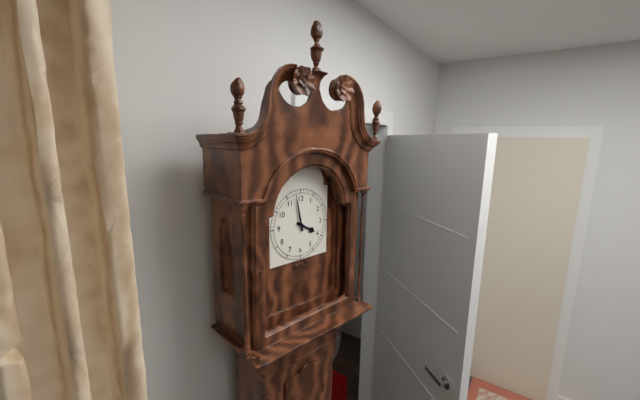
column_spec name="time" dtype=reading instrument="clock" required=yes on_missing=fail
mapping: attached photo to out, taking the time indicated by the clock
3:58
